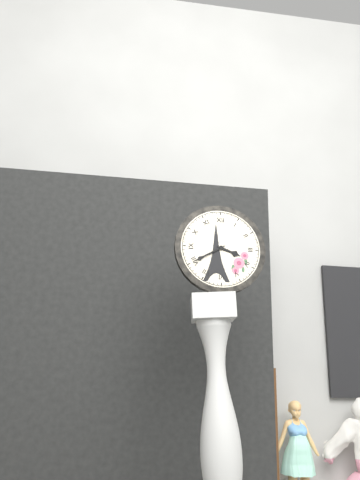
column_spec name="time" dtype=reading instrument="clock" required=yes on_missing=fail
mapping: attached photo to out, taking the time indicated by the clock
3:40
